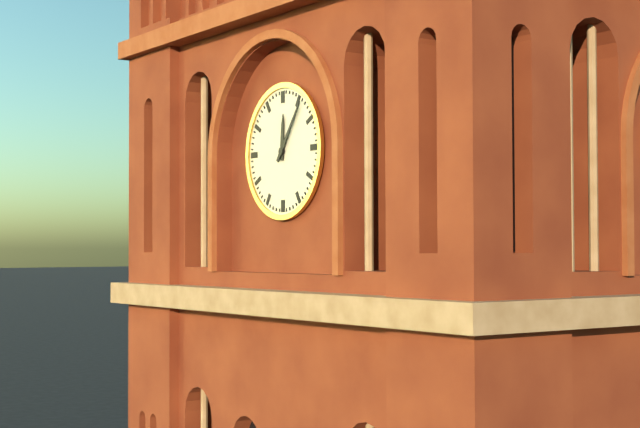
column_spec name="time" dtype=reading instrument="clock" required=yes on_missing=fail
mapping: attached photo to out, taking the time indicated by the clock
12:06
